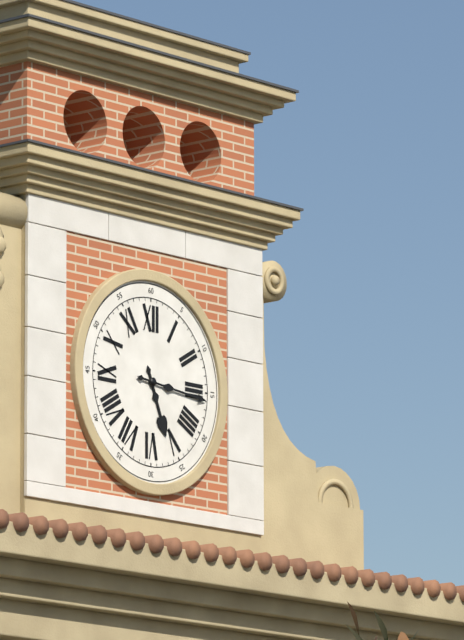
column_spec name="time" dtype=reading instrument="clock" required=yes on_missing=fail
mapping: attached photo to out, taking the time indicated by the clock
5:16
